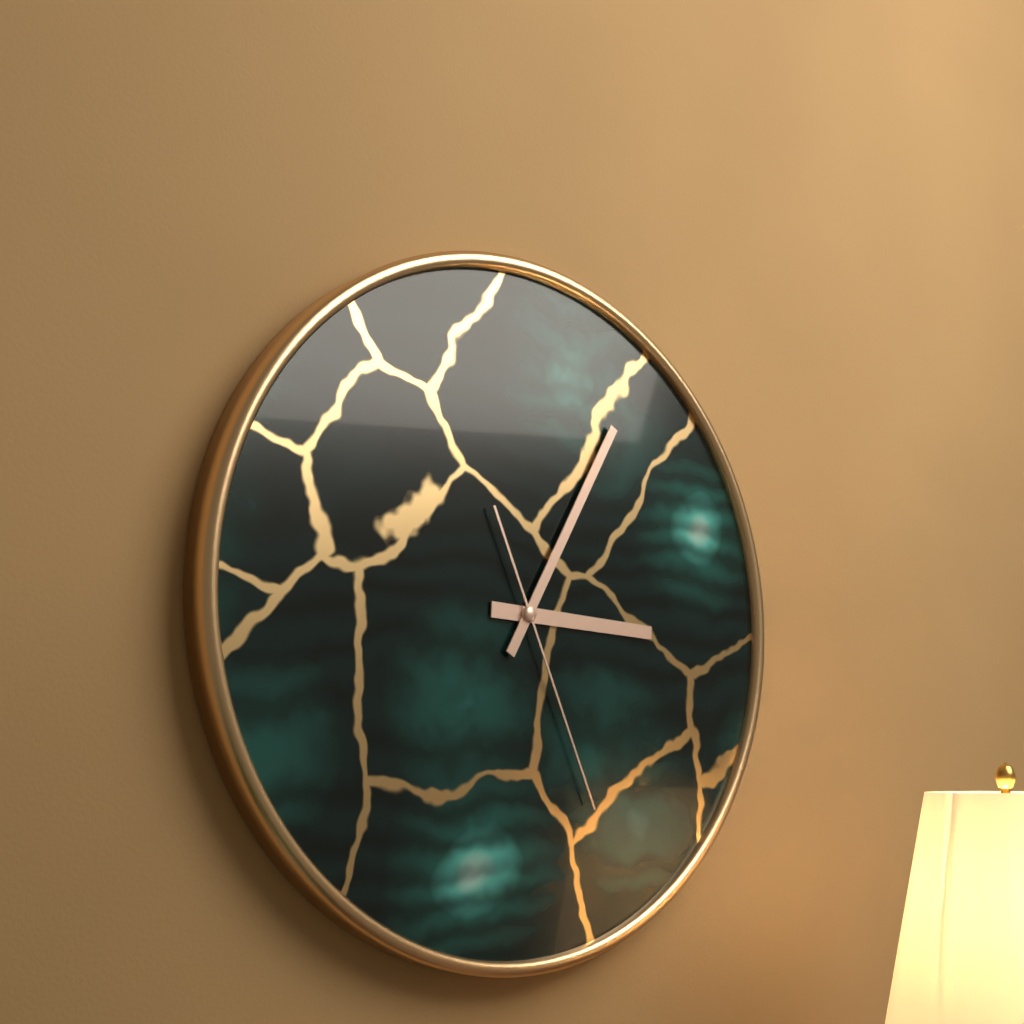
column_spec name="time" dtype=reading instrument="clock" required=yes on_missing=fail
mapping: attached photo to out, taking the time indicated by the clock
3:05:26
